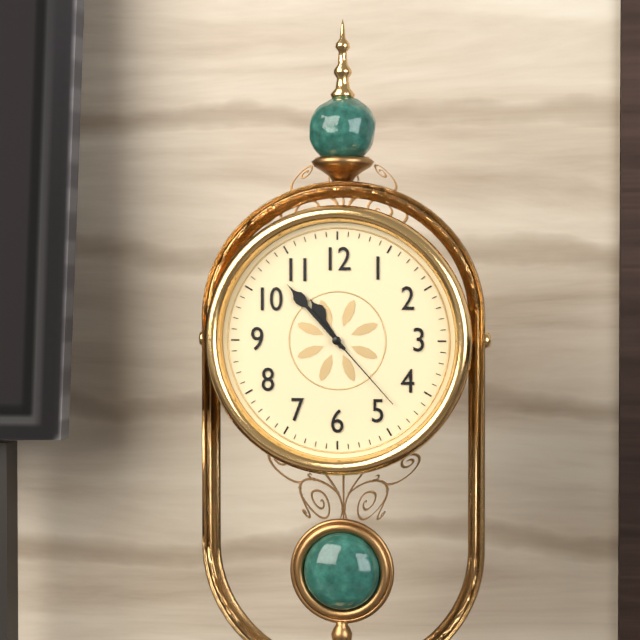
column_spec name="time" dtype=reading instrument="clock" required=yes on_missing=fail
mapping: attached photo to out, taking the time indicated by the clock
10:53:23
